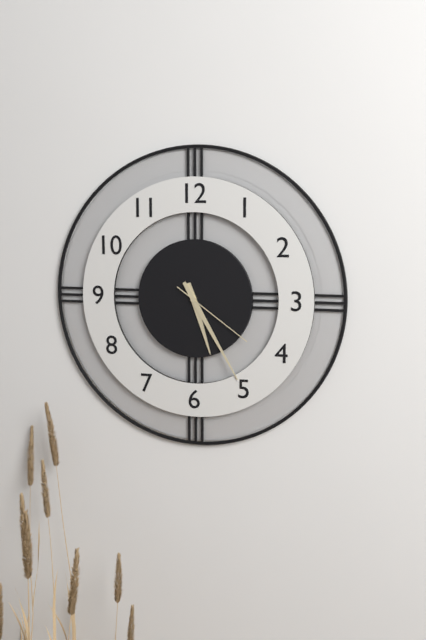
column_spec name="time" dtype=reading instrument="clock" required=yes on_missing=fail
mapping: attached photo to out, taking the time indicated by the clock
5:25:21
